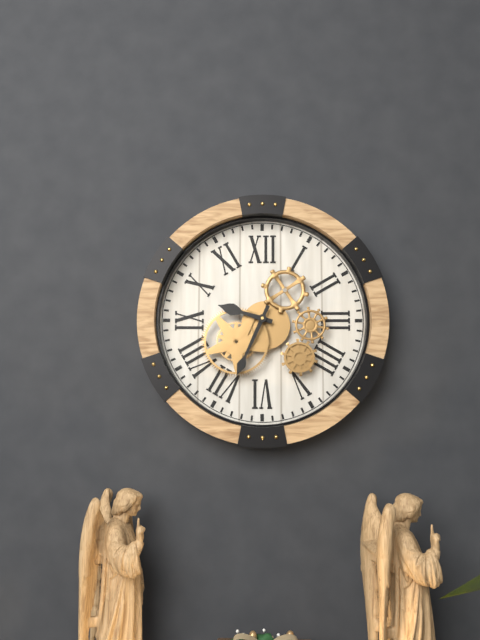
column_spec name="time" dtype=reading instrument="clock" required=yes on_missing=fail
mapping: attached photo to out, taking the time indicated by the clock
9:34
